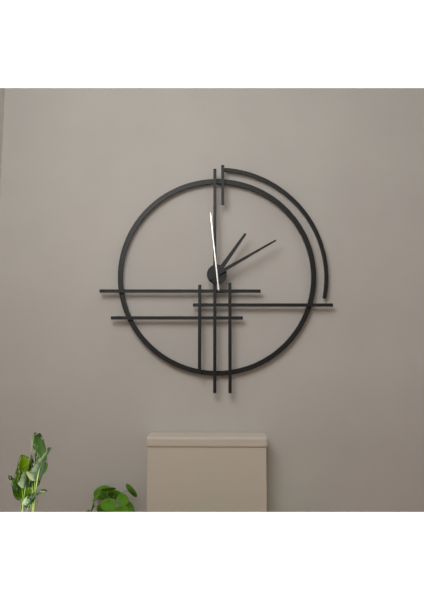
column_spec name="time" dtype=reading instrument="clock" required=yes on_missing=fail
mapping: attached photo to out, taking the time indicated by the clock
1:10:59
